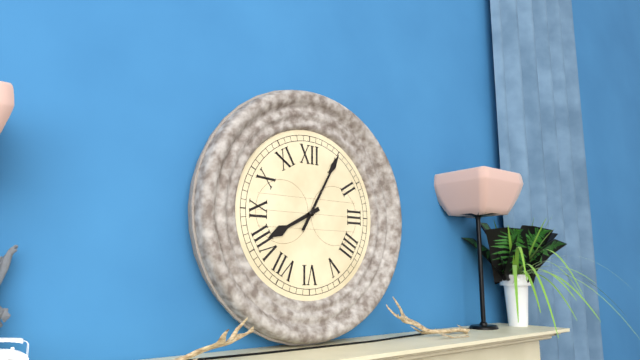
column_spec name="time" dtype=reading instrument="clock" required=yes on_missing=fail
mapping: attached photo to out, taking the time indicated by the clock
8:05
